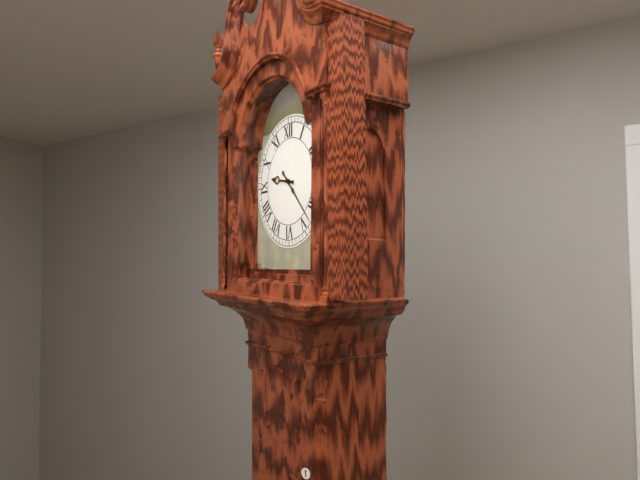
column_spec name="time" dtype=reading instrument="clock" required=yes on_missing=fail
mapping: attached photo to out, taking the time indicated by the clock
9:23
